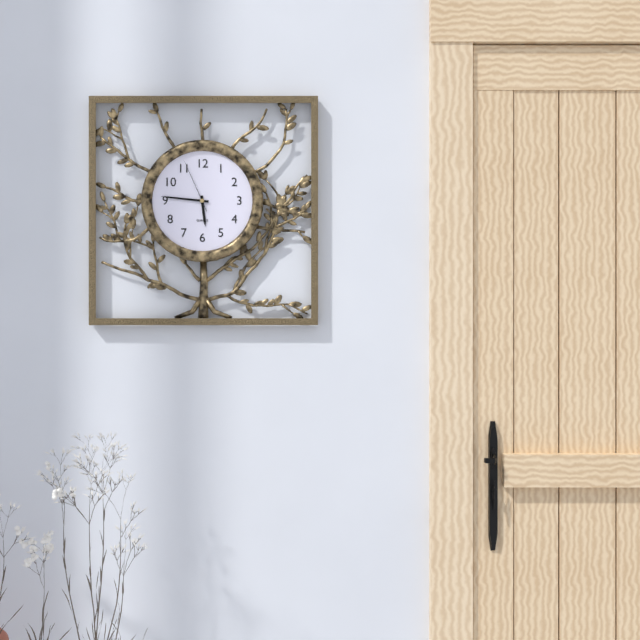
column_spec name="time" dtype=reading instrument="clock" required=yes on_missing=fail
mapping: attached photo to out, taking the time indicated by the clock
5:46:56
